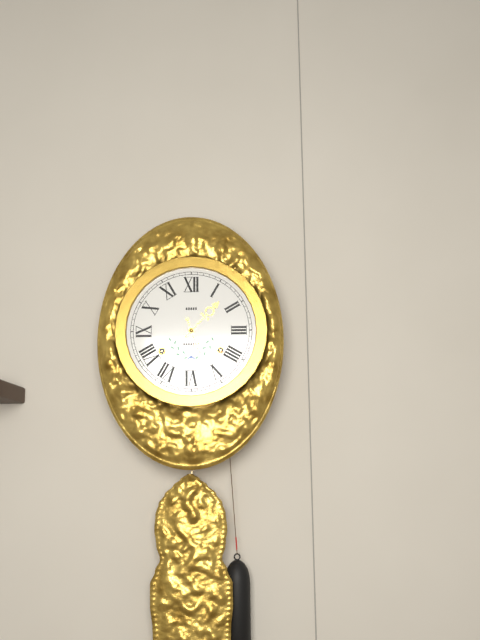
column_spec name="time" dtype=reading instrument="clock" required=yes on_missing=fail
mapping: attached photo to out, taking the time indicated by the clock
1:27
